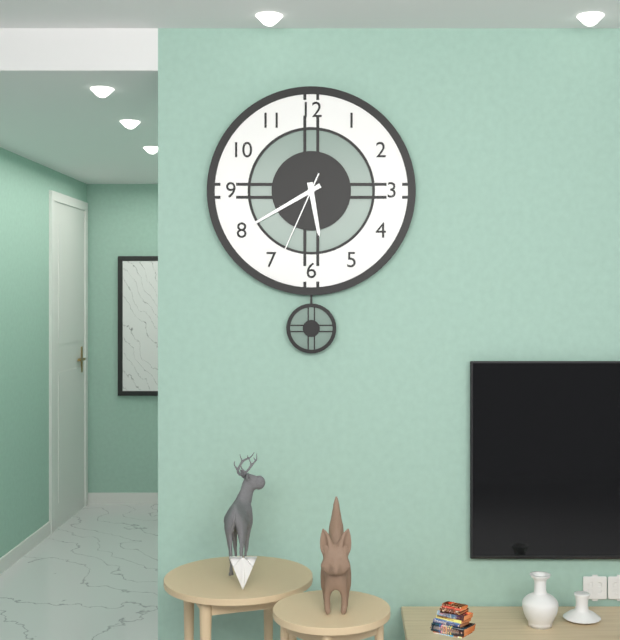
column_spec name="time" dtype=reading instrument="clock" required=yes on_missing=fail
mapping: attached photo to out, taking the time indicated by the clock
5:40:34
